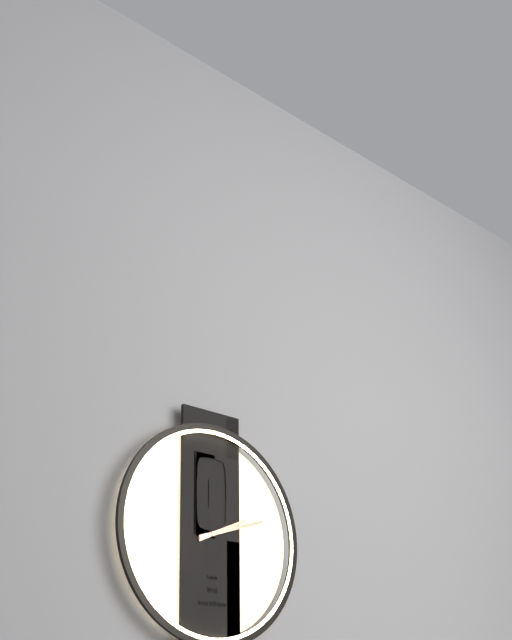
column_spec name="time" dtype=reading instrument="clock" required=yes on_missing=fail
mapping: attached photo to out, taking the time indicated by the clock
2:12
